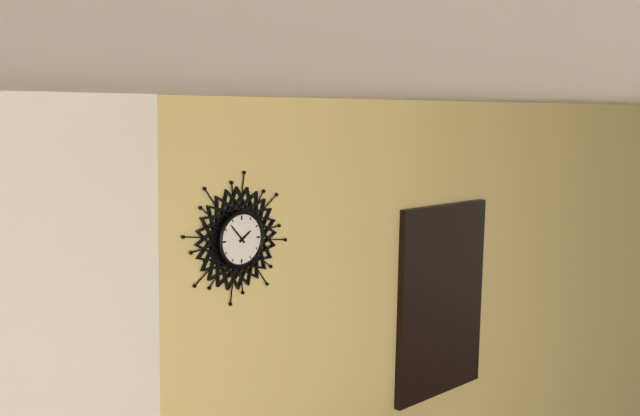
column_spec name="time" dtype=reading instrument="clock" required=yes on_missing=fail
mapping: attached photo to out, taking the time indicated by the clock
1:53
